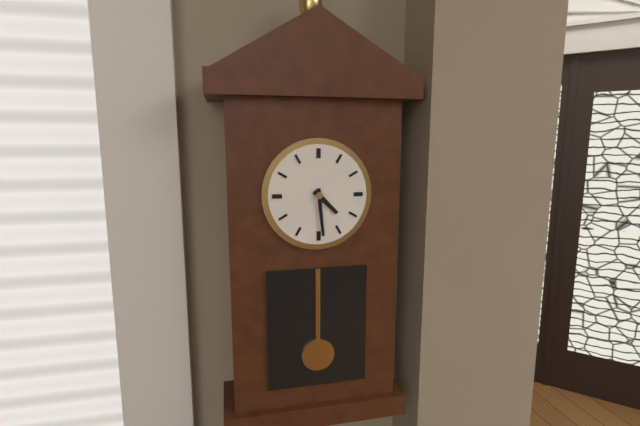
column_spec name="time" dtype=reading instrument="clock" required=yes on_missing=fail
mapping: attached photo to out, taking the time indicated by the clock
4:29
